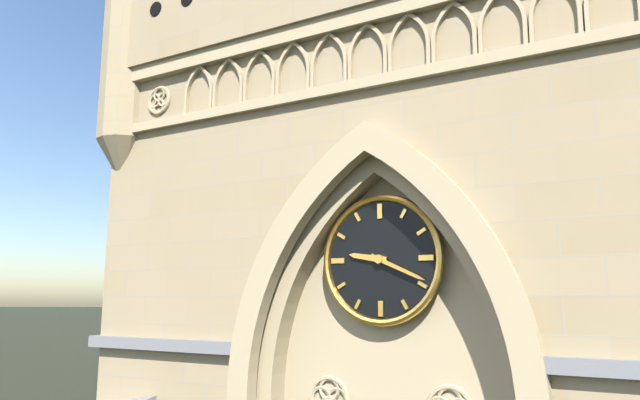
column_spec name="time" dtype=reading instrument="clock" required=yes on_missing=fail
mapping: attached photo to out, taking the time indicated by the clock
9:19
